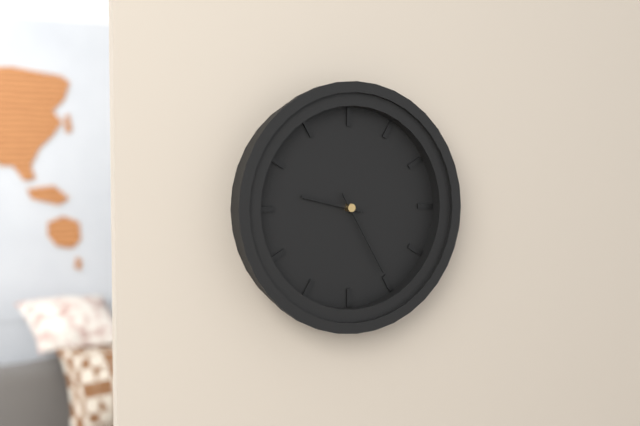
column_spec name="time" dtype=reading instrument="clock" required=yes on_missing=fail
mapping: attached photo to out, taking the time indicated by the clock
9:25
